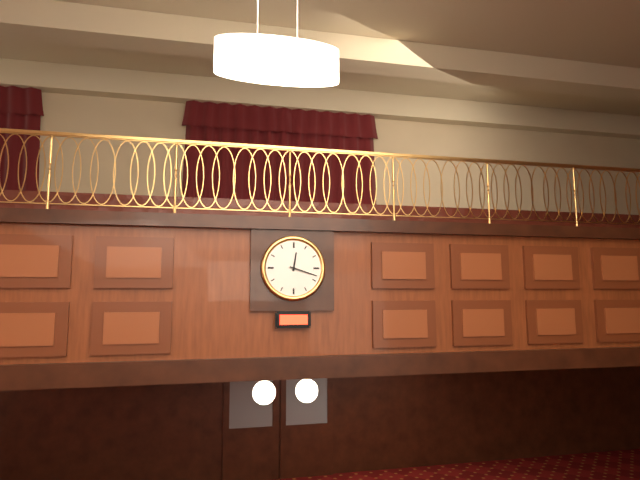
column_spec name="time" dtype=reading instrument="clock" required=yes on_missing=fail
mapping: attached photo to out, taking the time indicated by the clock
12:18
